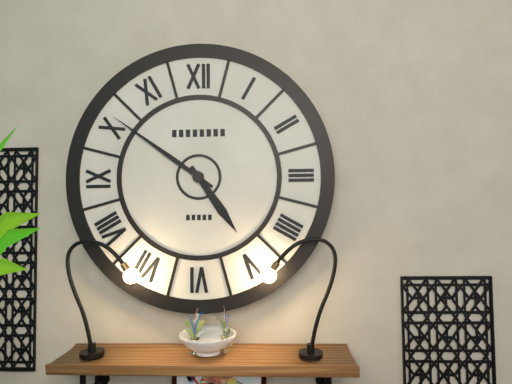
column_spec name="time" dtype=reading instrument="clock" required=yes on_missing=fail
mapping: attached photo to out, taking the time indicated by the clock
4:51
